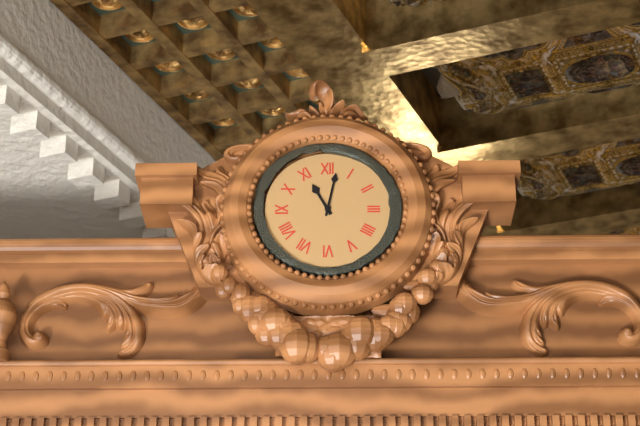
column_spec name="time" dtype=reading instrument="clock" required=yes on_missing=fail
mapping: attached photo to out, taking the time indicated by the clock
11:02
